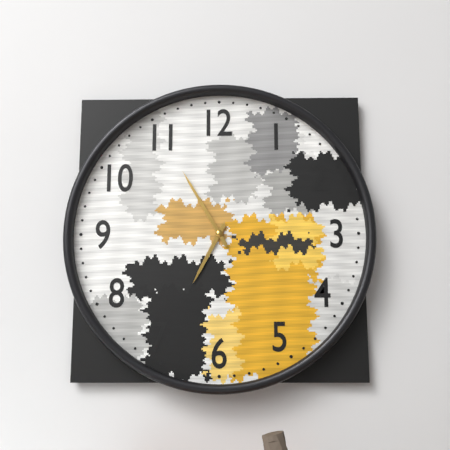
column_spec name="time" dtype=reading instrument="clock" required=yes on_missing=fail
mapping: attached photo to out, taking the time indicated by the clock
6:55
